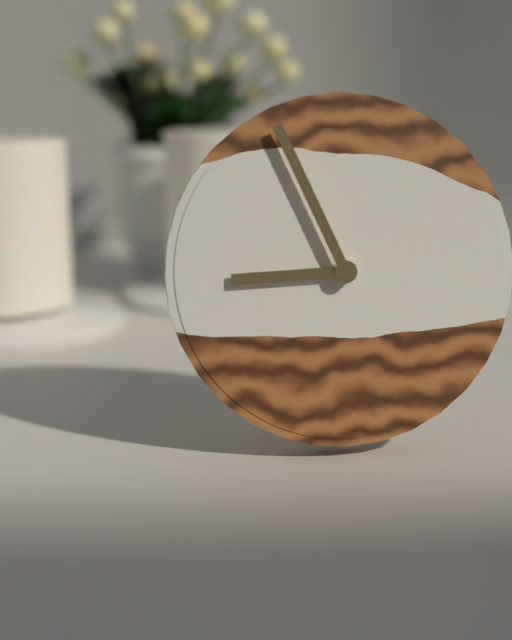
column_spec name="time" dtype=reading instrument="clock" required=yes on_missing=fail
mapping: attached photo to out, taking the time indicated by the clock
8:56
